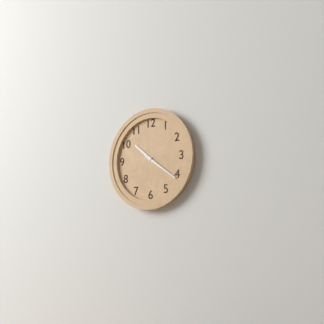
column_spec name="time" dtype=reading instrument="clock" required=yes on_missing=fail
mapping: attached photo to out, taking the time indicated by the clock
10:21
